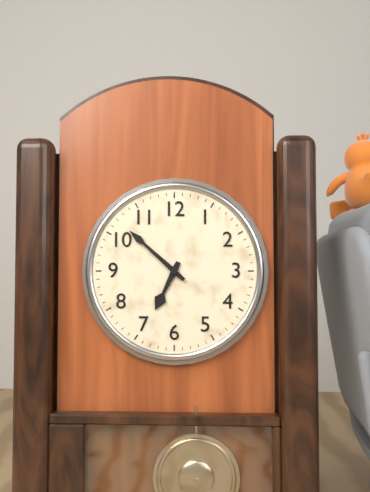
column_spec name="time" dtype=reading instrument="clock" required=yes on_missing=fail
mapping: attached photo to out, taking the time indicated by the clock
6:52
